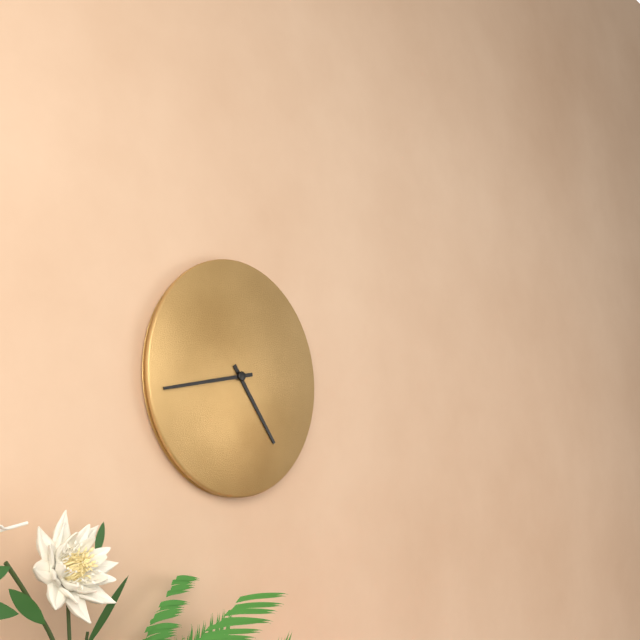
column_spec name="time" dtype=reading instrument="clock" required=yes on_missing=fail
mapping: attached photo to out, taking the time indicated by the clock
4:43
